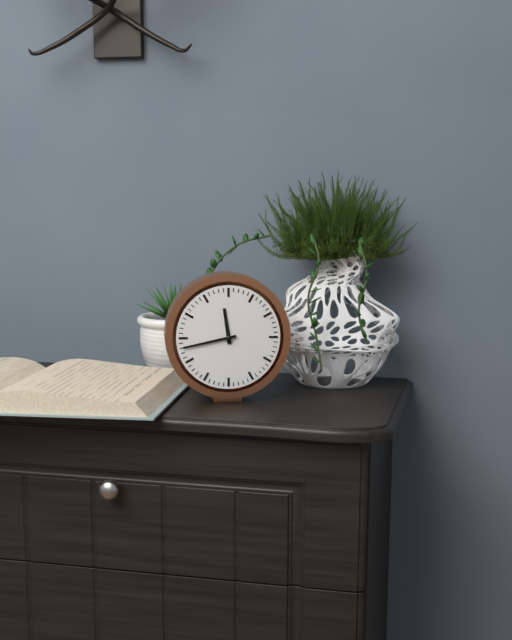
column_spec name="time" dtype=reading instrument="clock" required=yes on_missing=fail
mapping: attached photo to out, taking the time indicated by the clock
11:43
